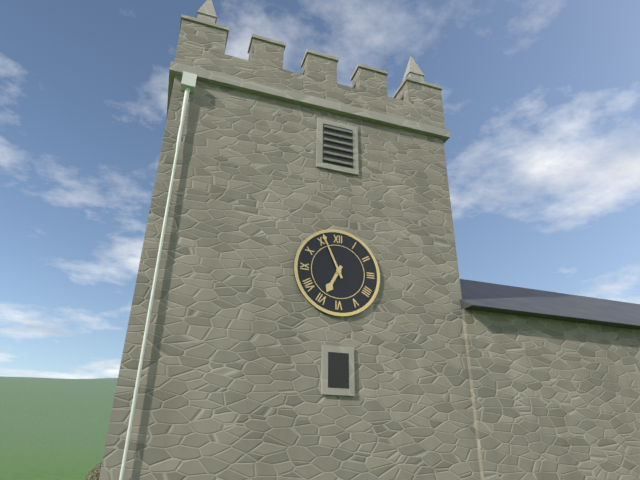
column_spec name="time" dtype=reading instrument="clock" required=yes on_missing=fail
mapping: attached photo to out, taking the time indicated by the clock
6:56
